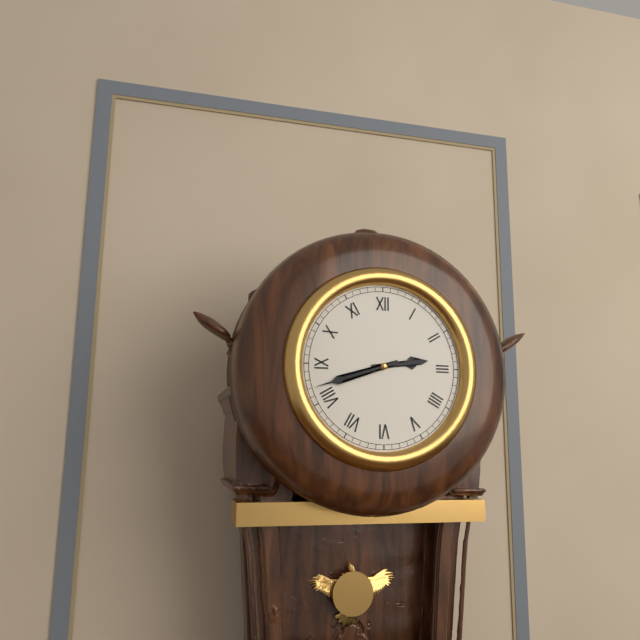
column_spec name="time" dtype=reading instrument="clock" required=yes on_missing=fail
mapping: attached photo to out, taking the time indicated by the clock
2:42
